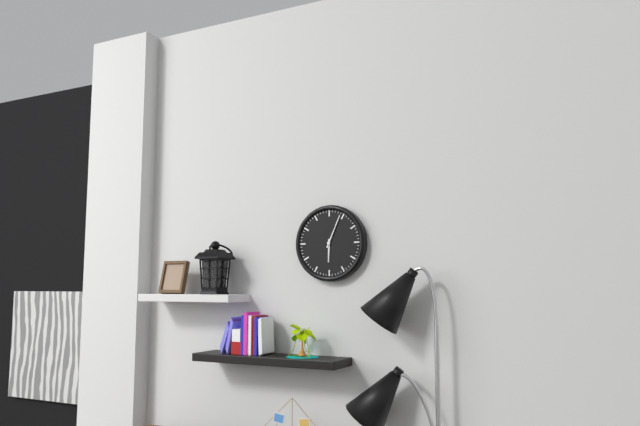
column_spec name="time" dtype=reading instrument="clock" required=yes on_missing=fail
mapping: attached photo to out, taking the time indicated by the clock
6:04
